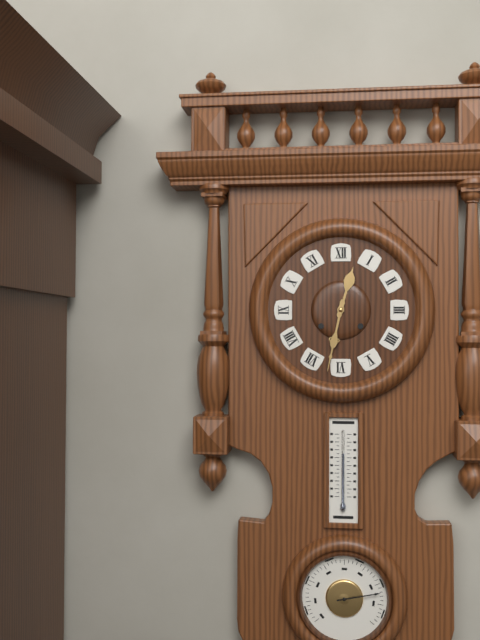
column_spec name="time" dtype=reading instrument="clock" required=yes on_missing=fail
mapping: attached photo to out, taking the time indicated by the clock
12:32
